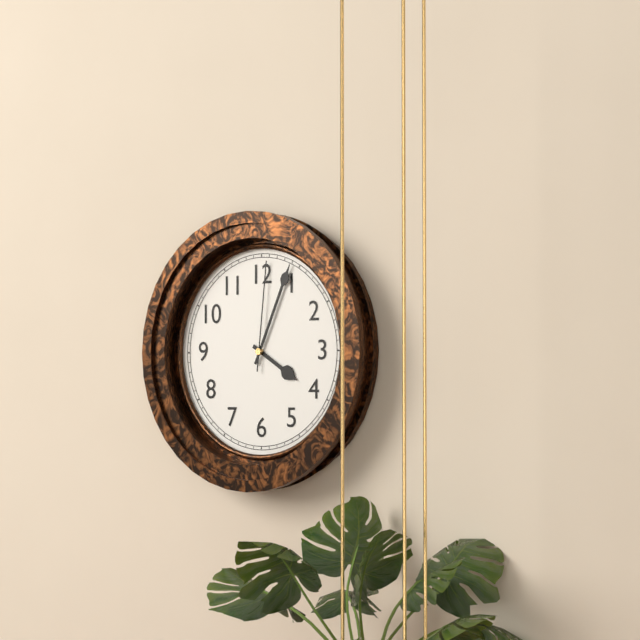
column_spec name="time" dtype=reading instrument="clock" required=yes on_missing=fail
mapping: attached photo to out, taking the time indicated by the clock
4:04:01
